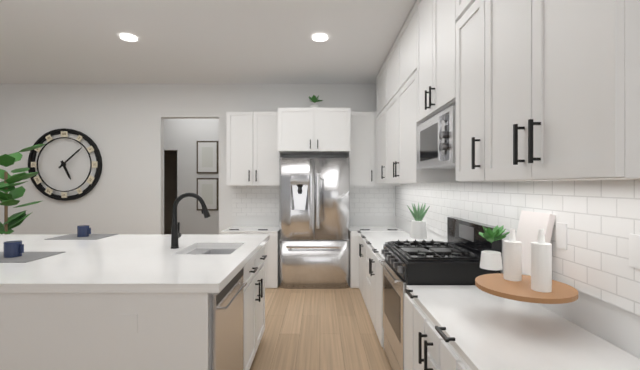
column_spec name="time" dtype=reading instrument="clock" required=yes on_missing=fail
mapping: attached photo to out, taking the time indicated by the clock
5:08
